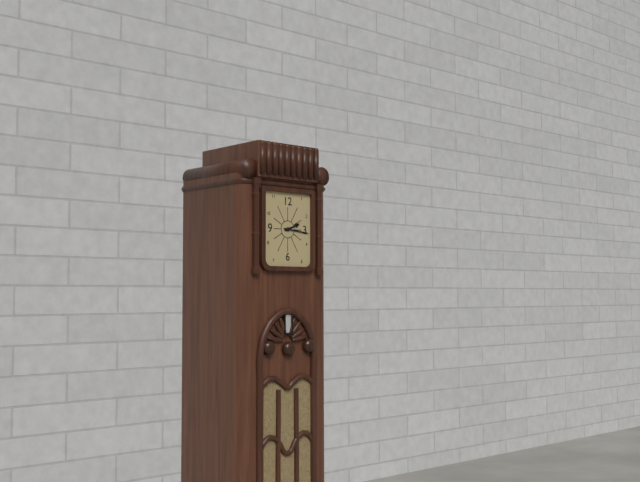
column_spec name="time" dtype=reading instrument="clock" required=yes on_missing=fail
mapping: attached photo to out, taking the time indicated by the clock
2:16
